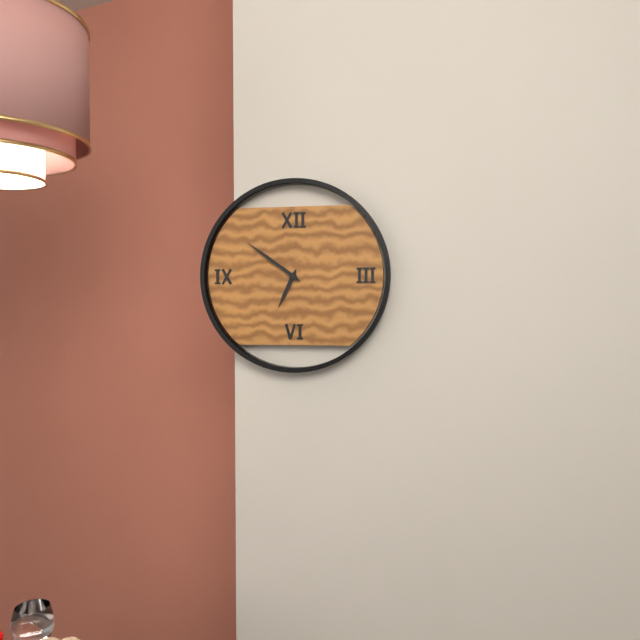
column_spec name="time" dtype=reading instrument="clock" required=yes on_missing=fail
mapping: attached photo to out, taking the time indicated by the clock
6:51
